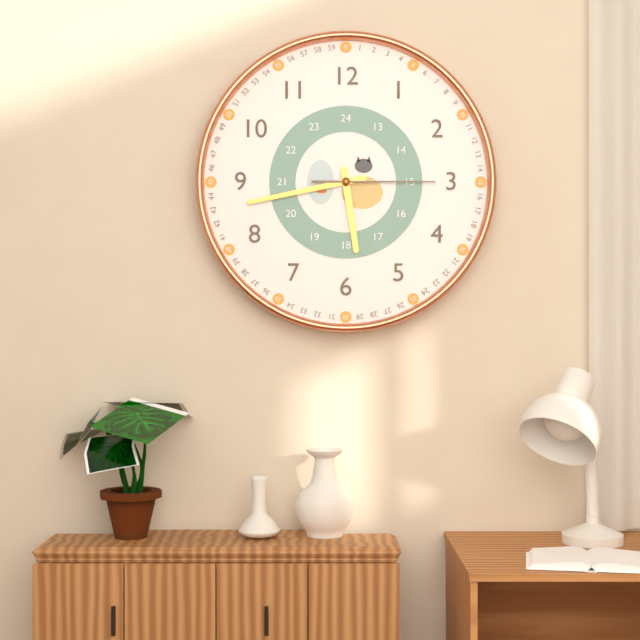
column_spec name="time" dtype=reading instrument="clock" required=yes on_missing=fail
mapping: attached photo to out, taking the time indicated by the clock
5:43:15
